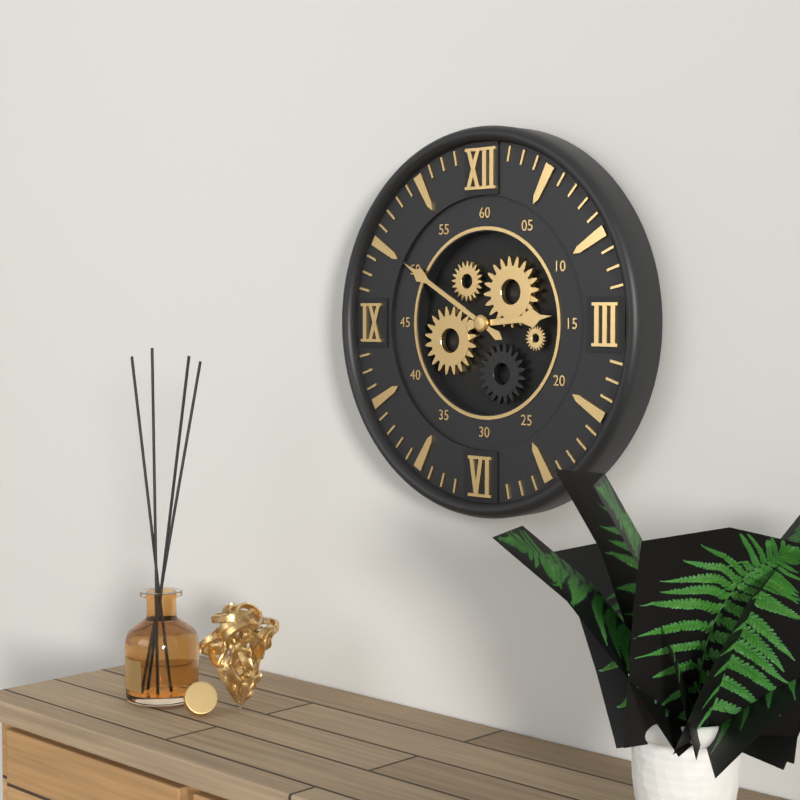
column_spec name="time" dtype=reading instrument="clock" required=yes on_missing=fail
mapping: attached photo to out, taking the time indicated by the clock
2:50
